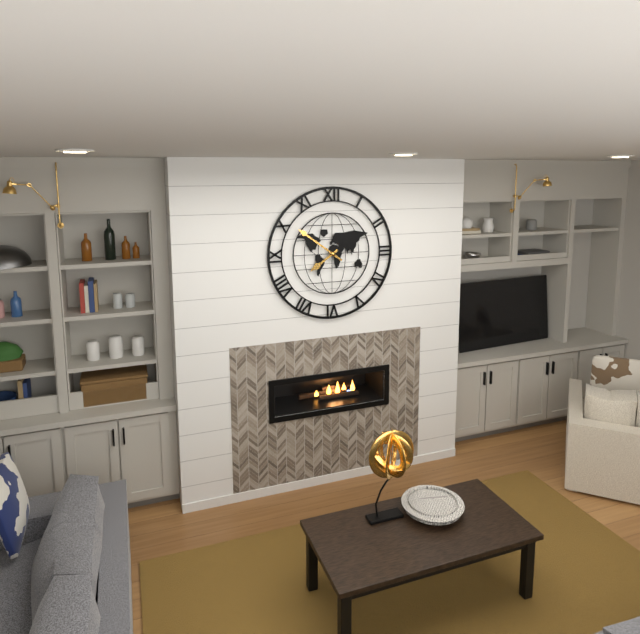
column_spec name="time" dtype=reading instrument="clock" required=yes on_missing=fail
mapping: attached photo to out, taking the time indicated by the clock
7:51
